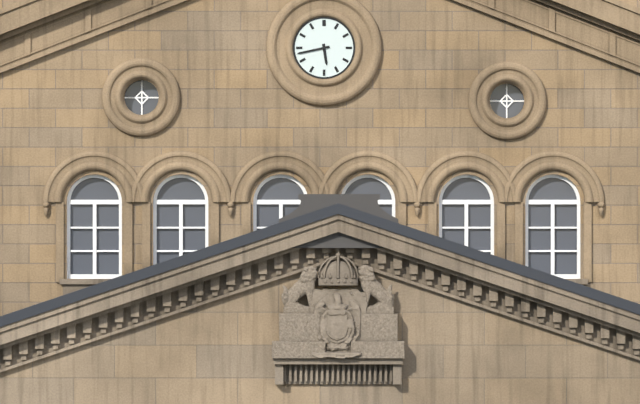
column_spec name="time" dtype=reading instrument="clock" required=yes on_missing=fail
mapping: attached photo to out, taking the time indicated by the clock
5:43
